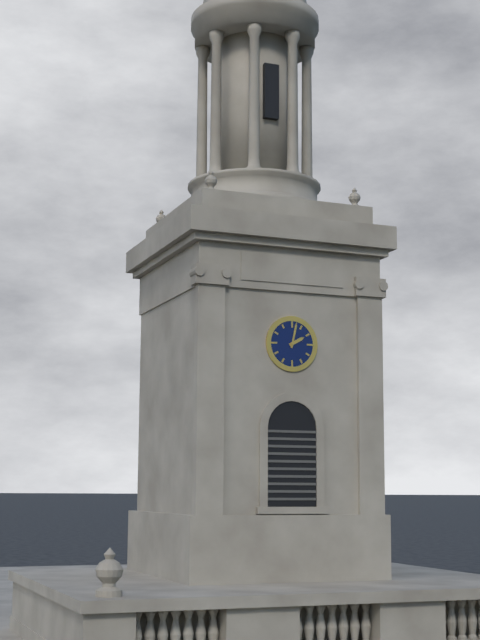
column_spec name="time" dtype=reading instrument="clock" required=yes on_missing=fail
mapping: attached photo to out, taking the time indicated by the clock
2:02
